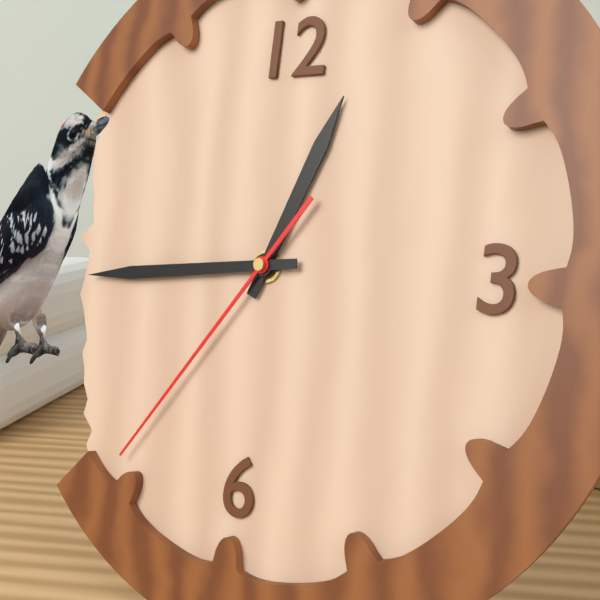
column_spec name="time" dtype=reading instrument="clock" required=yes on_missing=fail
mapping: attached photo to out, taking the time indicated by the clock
12:44:36
